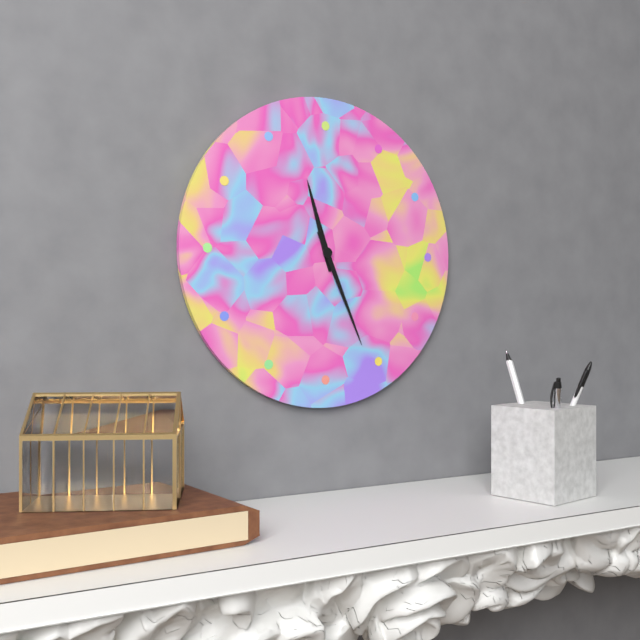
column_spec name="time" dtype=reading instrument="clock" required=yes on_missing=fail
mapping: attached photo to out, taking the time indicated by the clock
11:26
